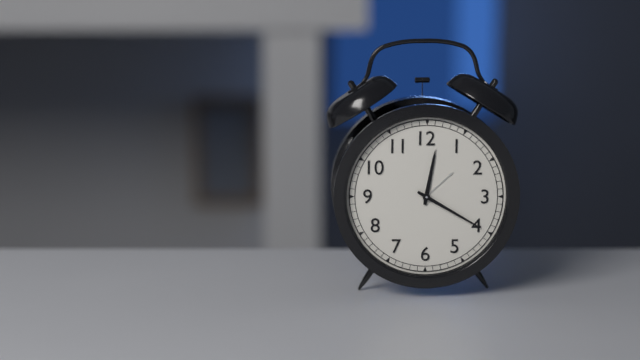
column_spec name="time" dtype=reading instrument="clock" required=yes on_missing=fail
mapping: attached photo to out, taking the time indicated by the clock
12:20
